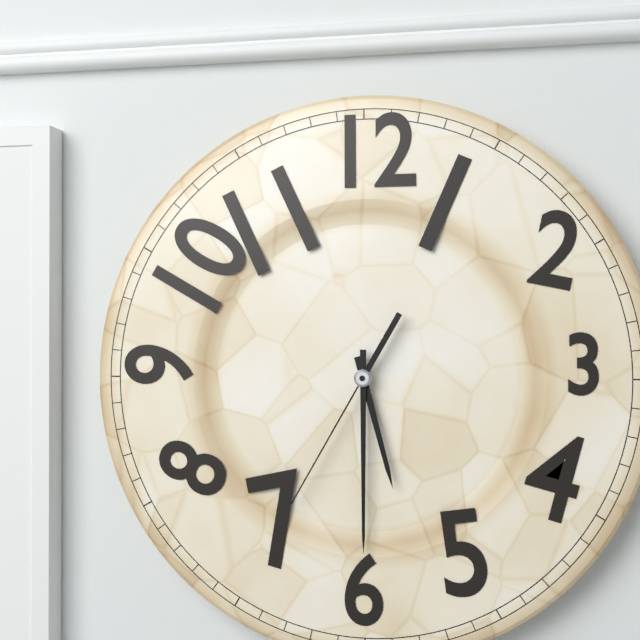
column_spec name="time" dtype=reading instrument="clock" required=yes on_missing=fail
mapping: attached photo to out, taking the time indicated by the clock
5:30:35
